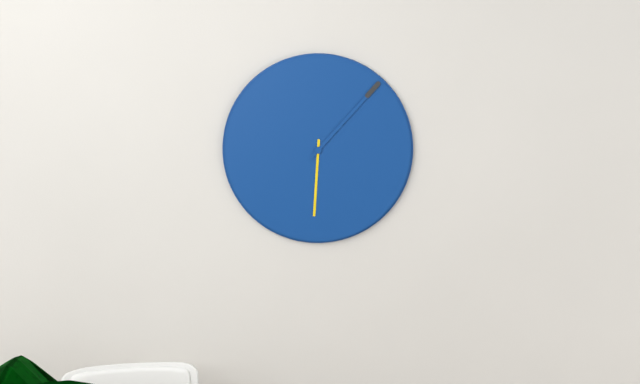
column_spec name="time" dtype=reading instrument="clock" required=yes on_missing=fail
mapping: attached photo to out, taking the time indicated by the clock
6:07
